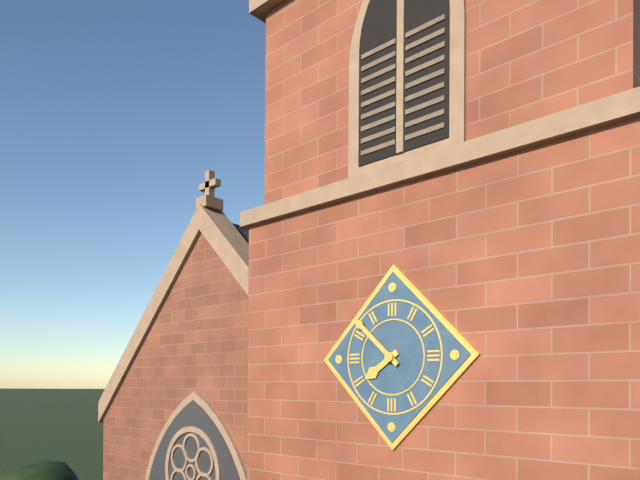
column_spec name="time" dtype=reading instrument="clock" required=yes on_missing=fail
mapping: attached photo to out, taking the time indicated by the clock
7:52
